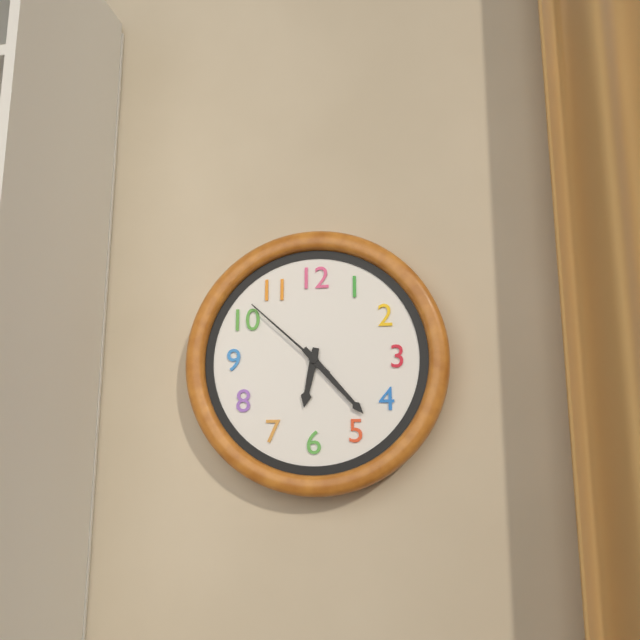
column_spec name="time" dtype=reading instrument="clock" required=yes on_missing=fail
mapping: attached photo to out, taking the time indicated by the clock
6:23:52
